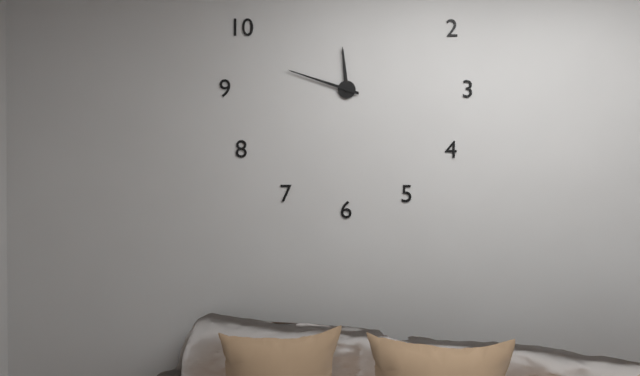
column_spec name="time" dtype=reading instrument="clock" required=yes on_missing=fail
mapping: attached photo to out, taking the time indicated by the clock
11:48
